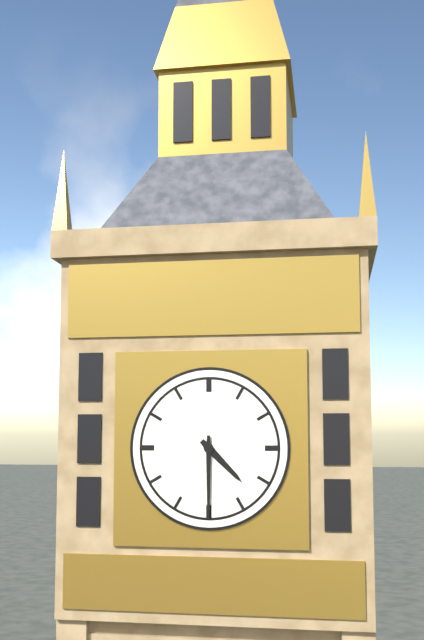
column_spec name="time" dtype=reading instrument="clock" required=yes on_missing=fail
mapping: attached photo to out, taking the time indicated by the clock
4:30
